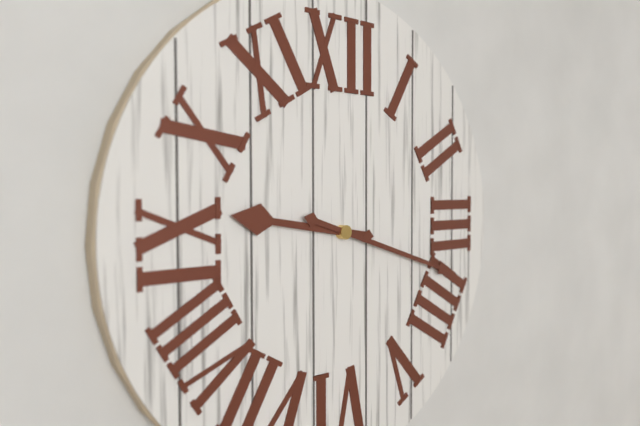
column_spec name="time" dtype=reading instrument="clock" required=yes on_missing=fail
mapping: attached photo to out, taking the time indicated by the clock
9:18
